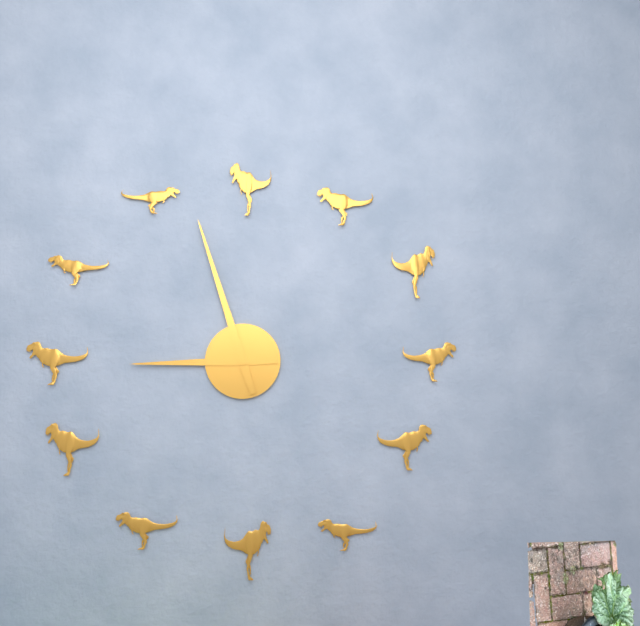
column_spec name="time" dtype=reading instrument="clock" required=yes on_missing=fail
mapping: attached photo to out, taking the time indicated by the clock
8:57
